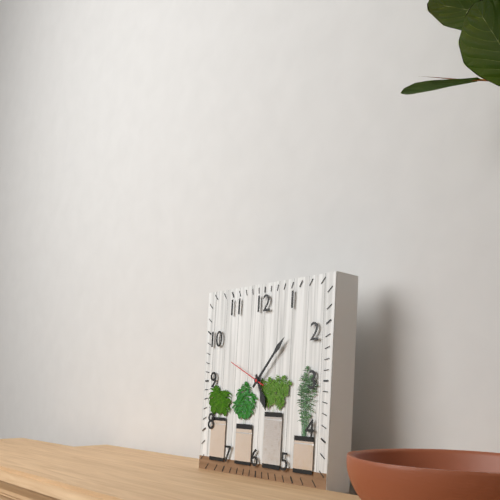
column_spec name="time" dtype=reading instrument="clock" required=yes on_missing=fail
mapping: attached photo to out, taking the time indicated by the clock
5:07
